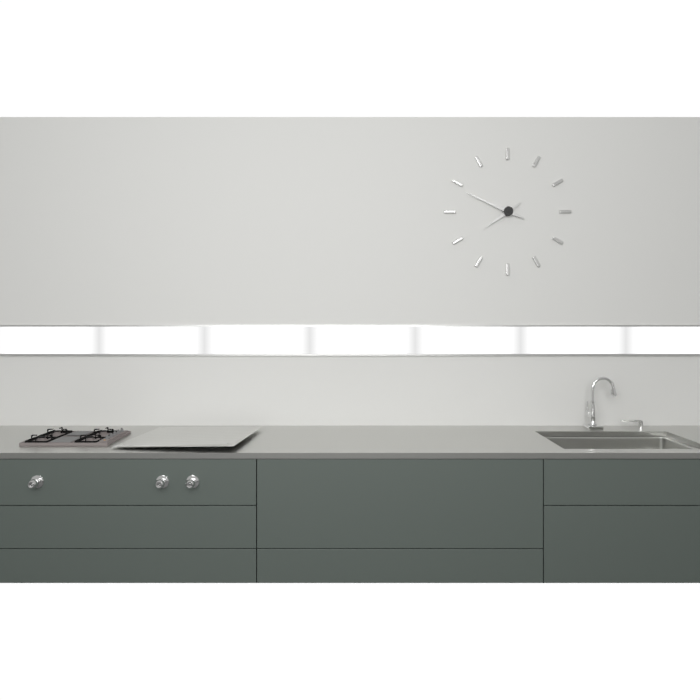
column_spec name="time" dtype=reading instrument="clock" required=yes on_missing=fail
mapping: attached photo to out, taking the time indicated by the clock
7:49
